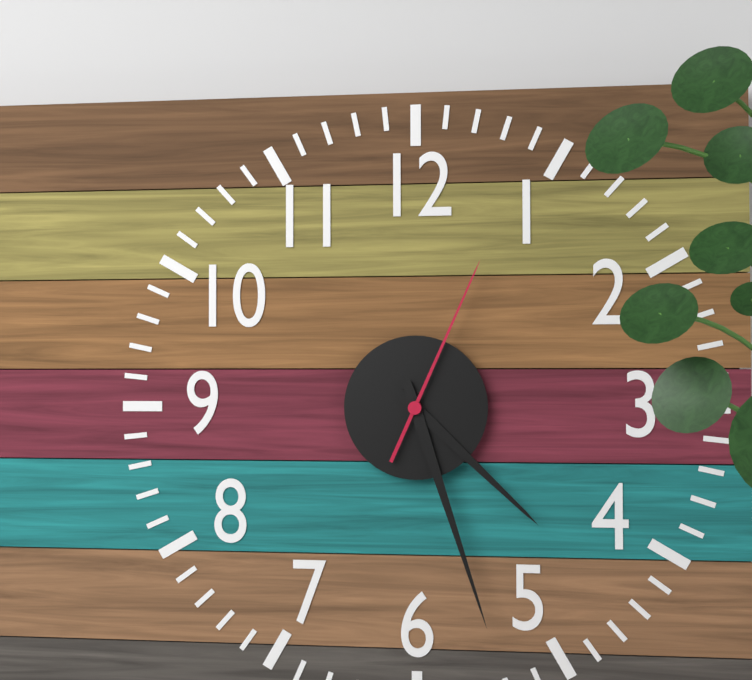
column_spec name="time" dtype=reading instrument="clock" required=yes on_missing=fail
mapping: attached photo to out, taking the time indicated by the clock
4:27:04
